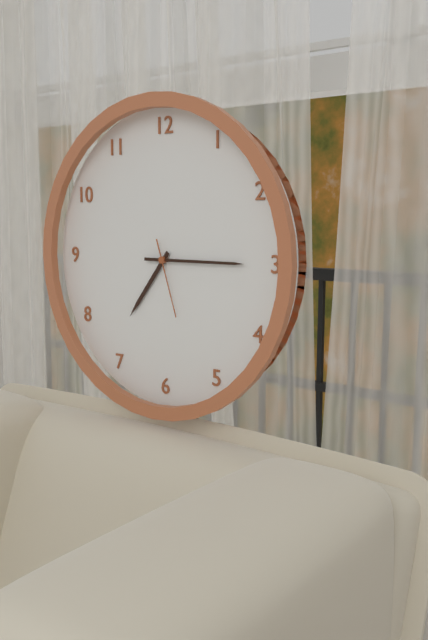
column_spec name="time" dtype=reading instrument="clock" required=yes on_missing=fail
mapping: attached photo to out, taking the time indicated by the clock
7:15:27
